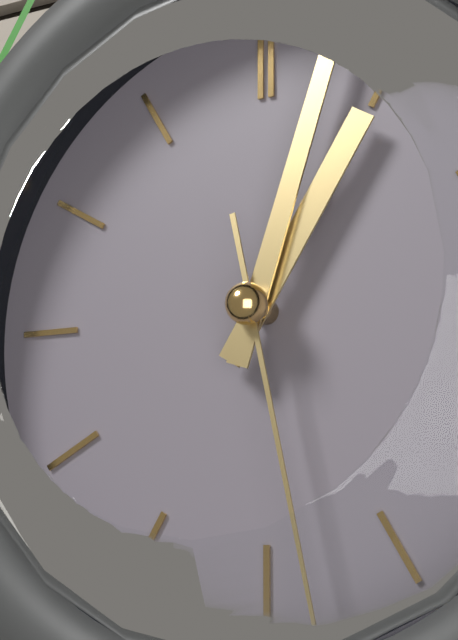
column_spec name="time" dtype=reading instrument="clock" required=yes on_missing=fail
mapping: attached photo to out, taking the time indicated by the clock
1:03:28
